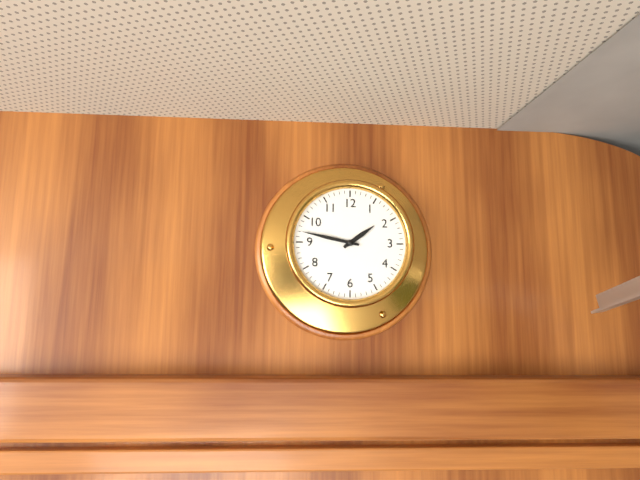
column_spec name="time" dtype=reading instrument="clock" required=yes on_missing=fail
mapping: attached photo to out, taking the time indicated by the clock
1:47
